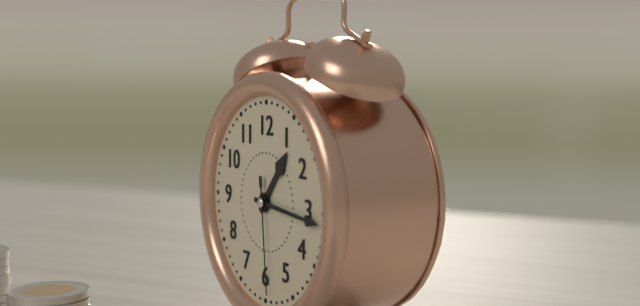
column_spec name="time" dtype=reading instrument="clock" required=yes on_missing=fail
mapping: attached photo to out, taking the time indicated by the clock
1:16:29
